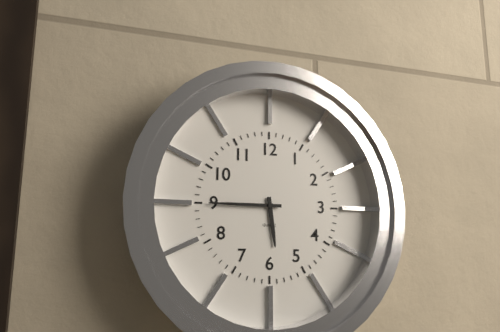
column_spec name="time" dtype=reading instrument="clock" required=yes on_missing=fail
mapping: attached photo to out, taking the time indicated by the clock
5:45
